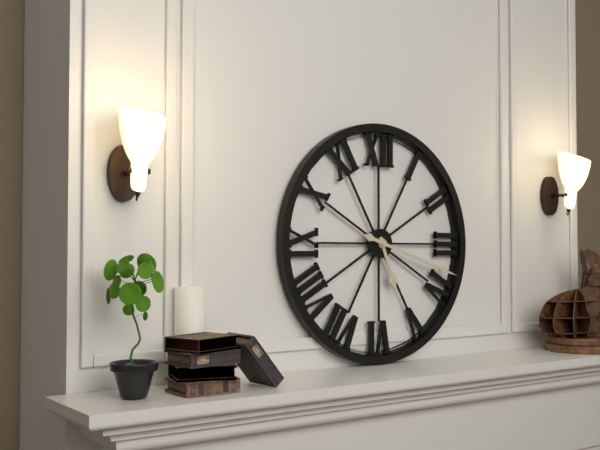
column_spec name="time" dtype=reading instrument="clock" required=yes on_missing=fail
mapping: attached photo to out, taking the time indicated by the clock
5:18
